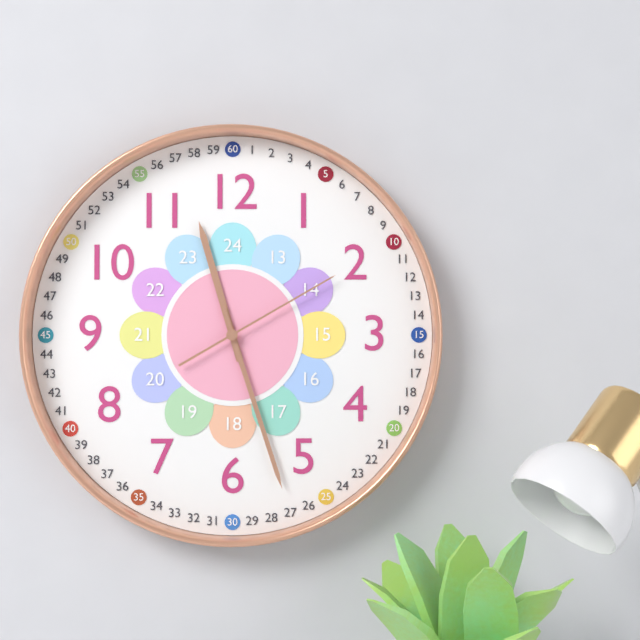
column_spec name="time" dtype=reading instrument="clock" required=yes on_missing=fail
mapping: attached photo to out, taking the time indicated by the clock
11:27:10
